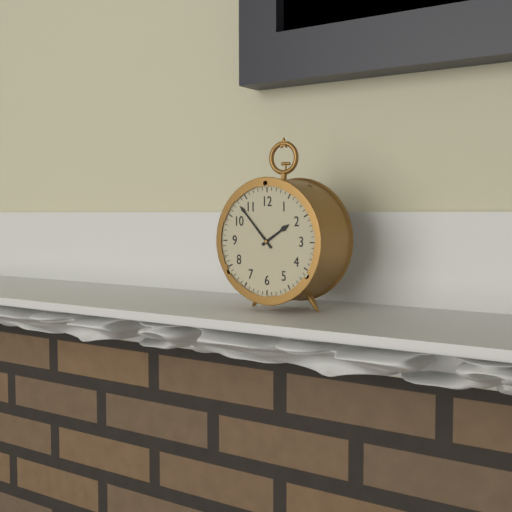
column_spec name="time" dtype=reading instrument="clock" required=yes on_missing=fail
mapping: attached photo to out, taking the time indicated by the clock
1:53
